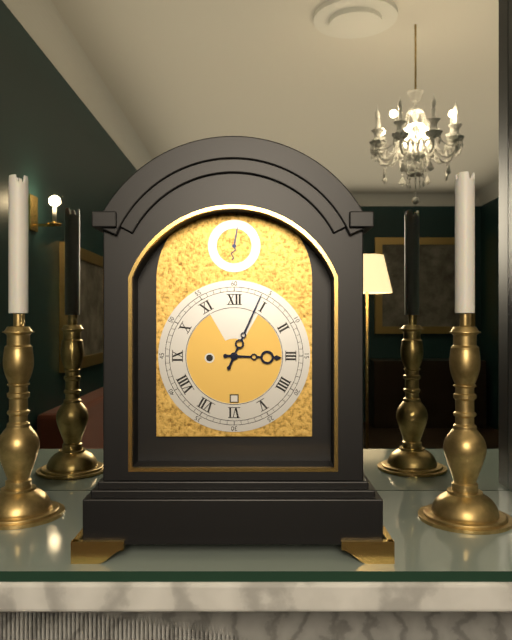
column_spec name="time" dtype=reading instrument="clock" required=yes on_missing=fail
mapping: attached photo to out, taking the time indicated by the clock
3:04
